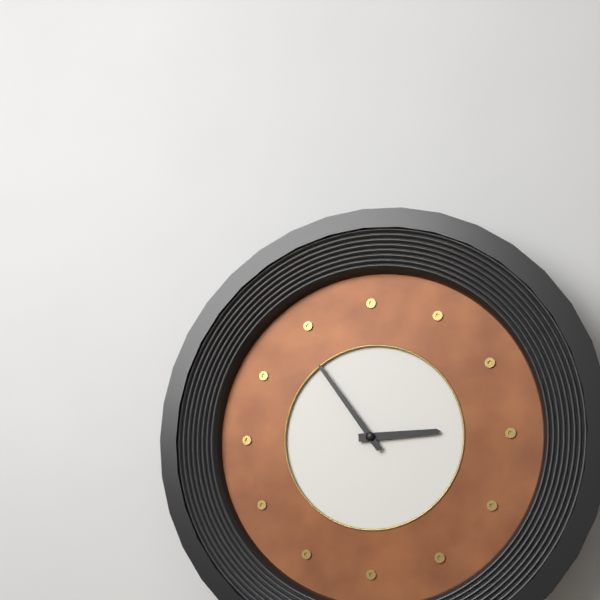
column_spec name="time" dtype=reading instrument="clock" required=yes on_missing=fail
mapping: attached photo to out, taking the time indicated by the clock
2:54
